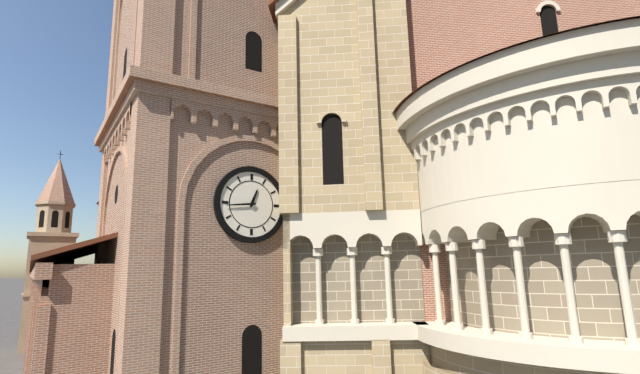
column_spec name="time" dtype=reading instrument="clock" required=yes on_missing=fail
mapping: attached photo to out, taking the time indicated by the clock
12:44
